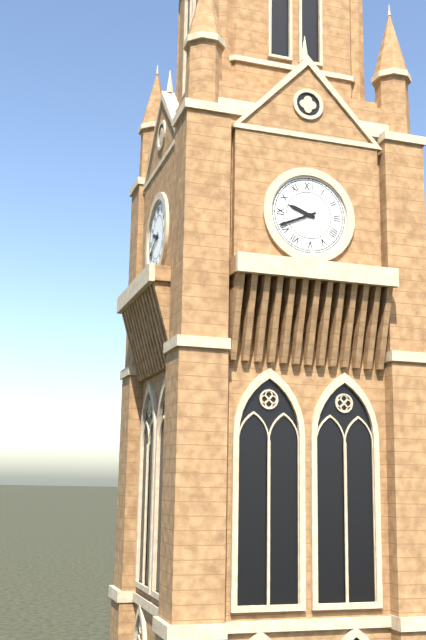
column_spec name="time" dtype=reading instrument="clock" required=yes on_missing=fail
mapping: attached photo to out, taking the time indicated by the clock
9:41
